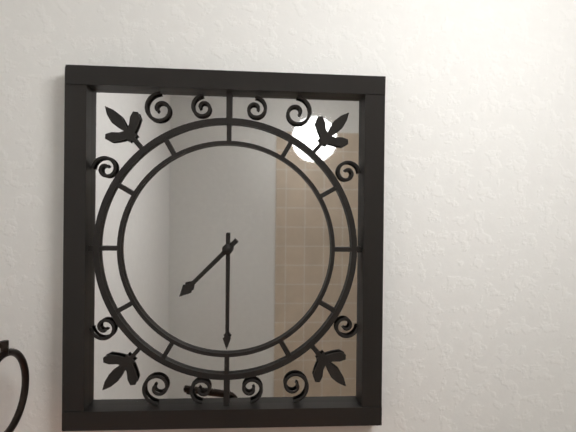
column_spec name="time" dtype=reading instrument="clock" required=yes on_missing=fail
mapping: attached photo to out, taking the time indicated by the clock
7:30
